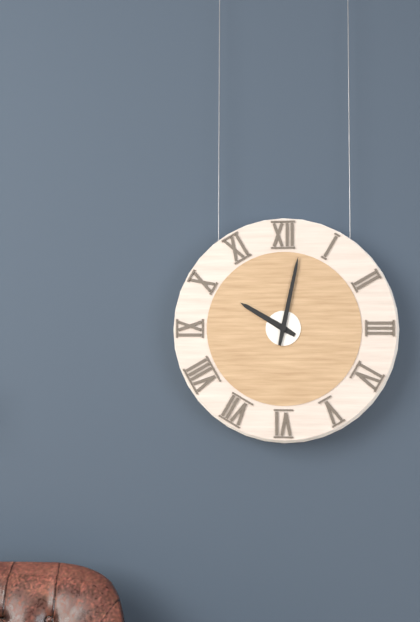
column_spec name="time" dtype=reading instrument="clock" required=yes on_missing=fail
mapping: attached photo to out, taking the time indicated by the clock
10:02
